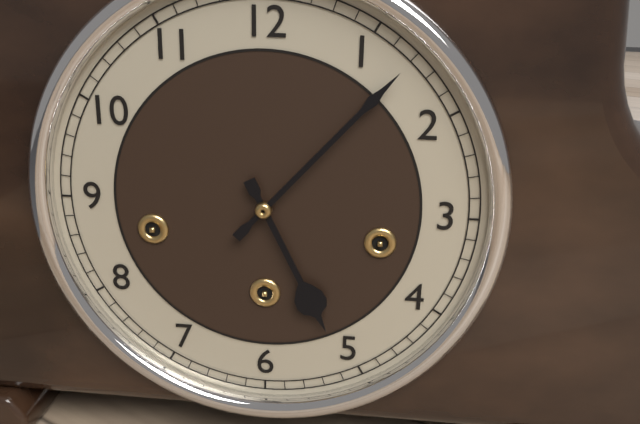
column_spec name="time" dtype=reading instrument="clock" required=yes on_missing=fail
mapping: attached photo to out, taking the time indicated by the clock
5:07
